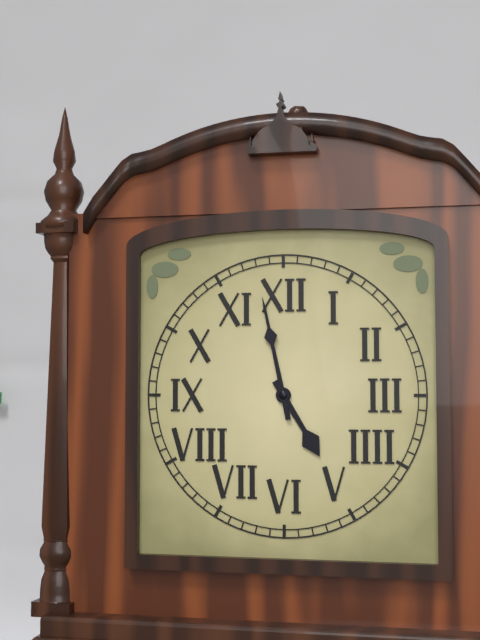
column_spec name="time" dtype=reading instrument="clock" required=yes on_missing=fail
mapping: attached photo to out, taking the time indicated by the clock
4:58
